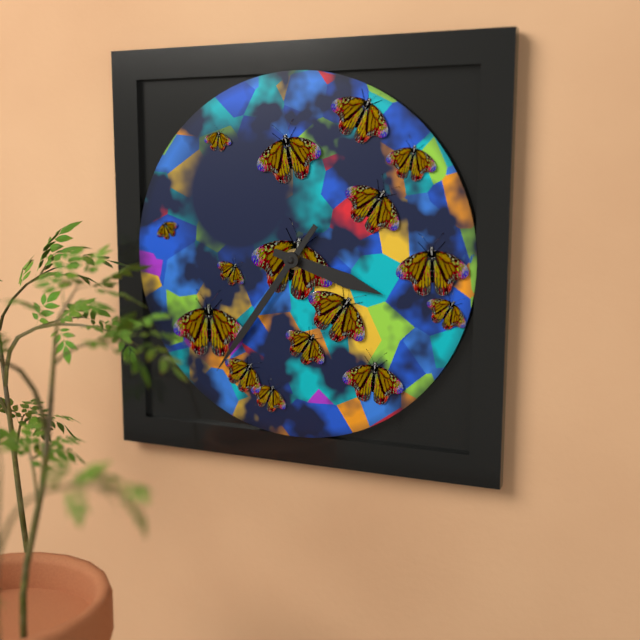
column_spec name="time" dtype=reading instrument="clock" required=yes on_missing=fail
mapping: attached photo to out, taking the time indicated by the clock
3:36
